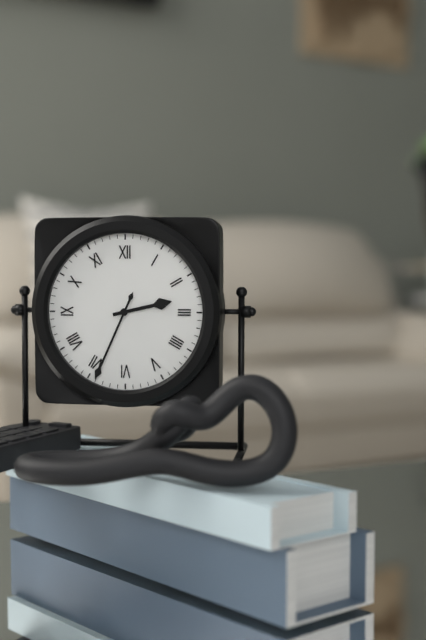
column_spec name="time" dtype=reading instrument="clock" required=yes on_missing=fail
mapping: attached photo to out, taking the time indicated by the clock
2:34
